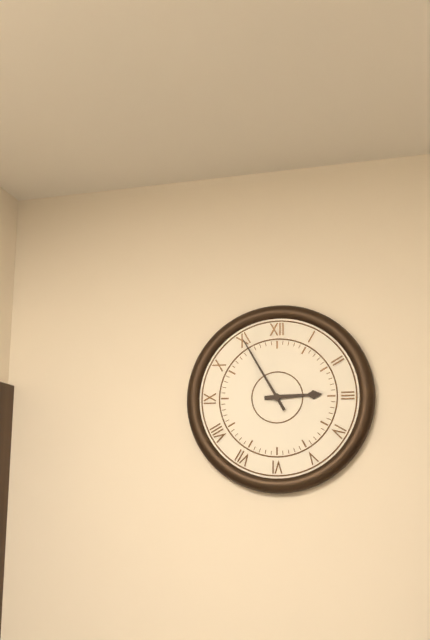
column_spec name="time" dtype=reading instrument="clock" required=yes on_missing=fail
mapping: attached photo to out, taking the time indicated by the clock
2:55
